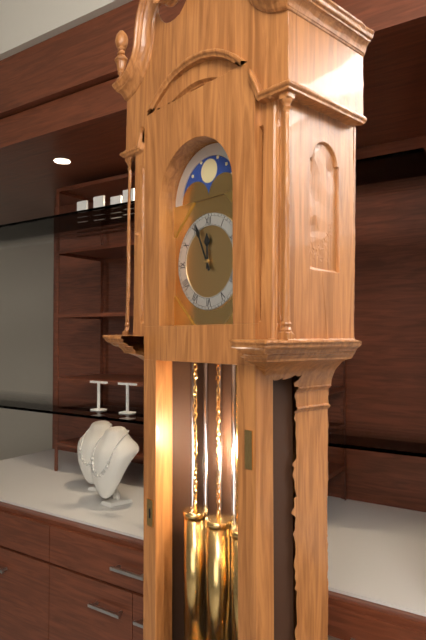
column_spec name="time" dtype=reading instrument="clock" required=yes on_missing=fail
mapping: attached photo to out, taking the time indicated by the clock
11:56
